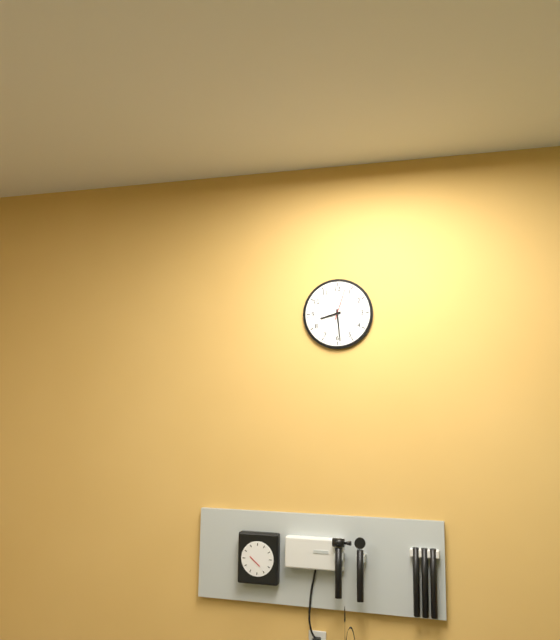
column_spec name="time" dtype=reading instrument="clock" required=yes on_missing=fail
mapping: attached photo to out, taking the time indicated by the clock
8:29
